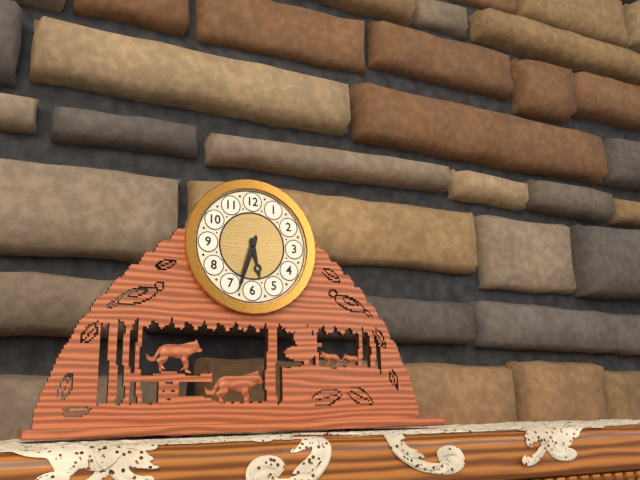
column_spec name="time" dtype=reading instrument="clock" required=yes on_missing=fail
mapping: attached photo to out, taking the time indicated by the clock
5:33
